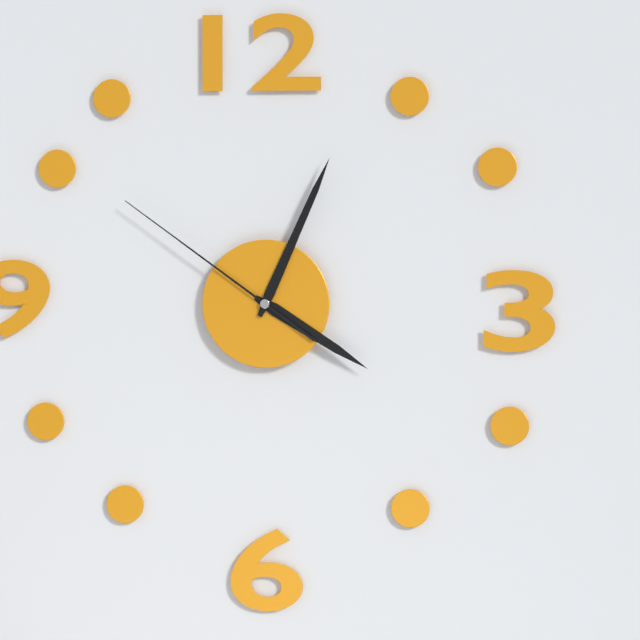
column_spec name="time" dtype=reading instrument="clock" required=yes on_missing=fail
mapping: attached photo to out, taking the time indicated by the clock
4:04:51
